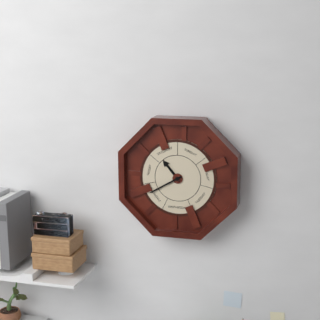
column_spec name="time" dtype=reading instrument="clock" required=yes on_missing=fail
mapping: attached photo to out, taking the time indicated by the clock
10:40
